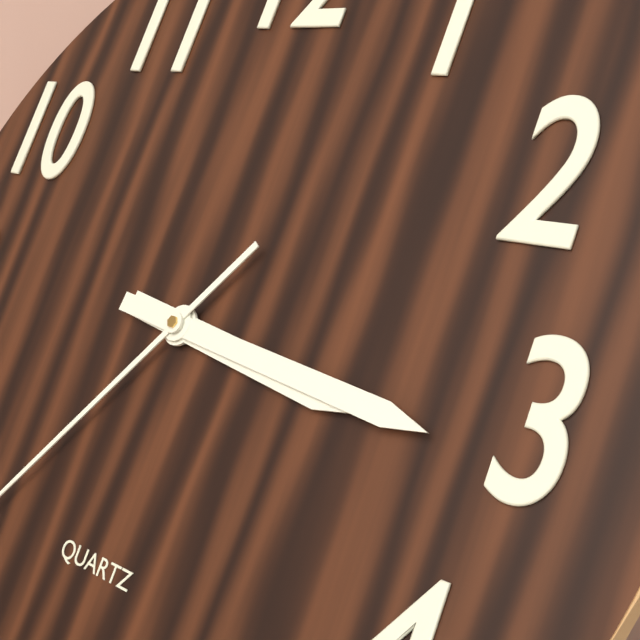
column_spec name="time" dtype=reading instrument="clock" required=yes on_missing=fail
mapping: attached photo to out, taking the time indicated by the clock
3:16
